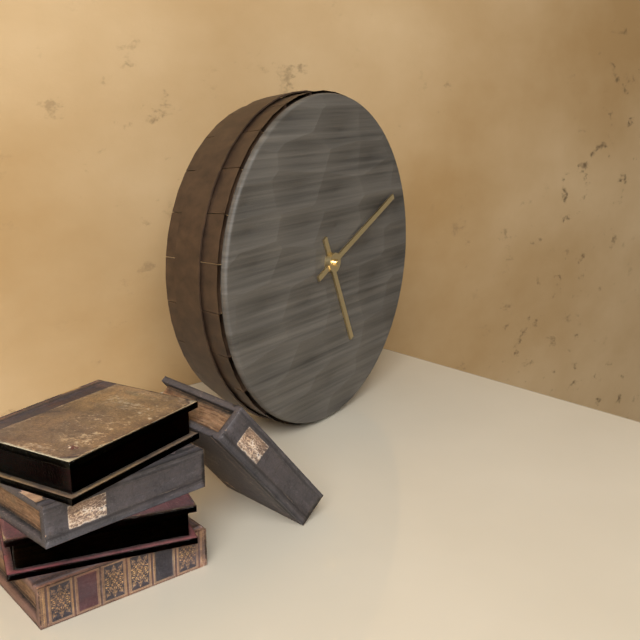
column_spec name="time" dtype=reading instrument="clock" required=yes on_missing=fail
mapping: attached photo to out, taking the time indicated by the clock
5:11
